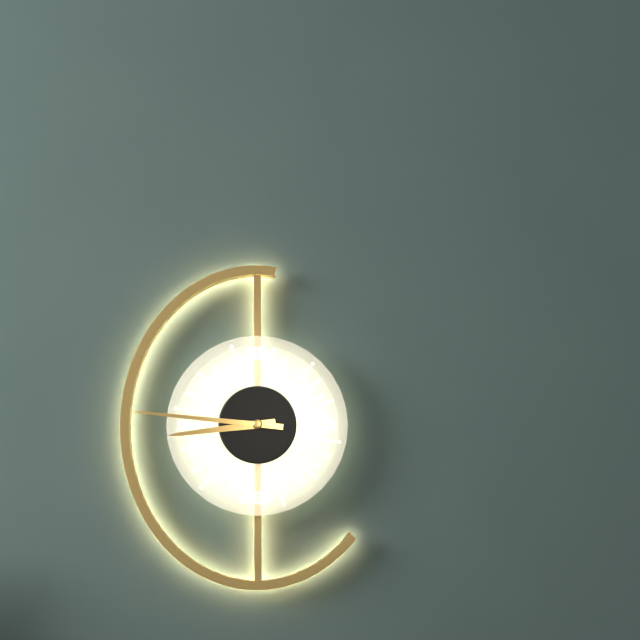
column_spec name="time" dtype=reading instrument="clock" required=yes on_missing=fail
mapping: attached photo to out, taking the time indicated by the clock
8:46
